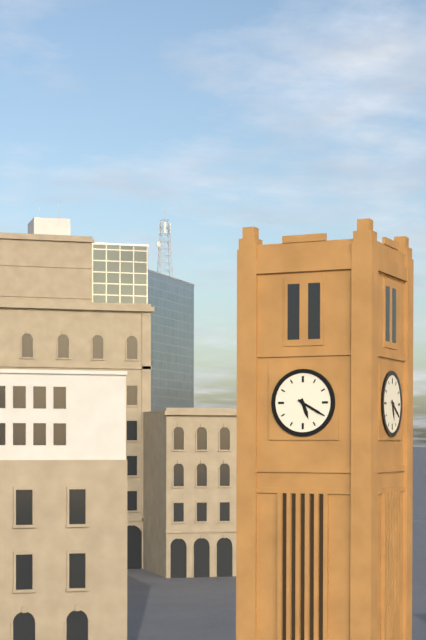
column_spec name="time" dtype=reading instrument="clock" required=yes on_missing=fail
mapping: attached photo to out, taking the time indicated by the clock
5:20
